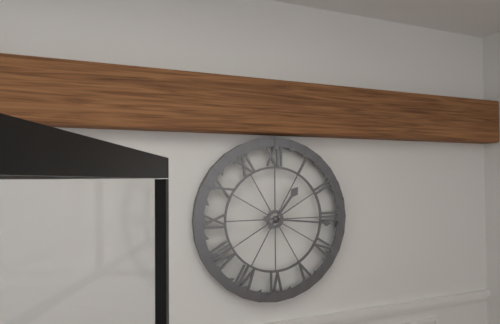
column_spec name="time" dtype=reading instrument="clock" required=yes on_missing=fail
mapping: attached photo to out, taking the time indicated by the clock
1:16
